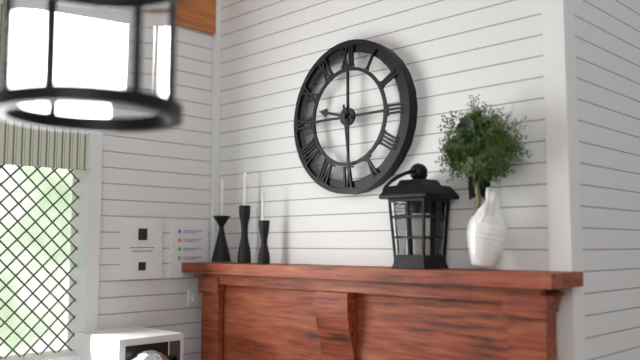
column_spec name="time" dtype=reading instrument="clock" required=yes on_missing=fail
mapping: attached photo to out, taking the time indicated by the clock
9:29
